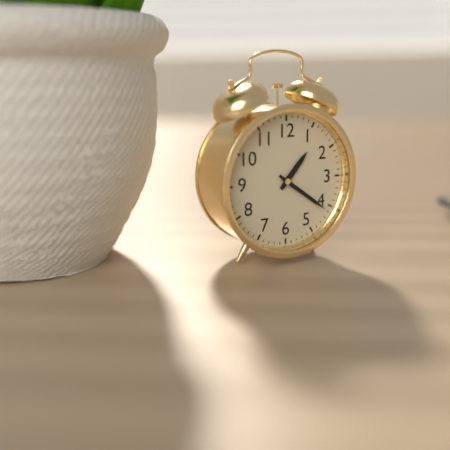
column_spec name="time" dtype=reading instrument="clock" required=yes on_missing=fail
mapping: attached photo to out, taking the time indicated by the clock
1:21
